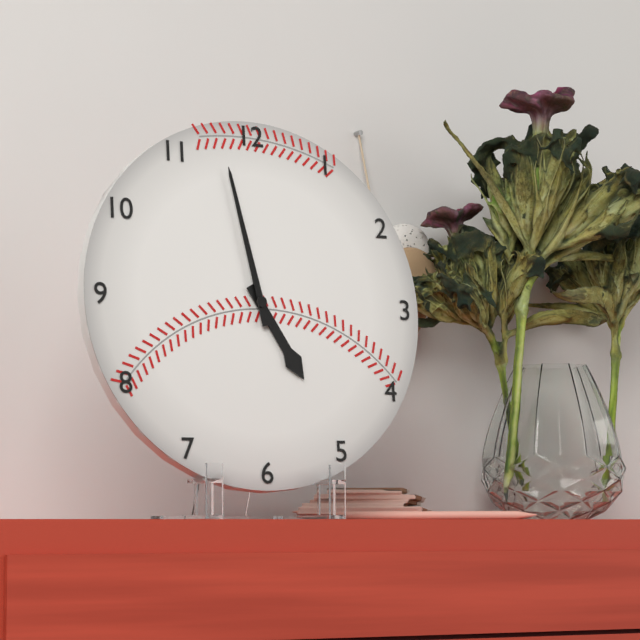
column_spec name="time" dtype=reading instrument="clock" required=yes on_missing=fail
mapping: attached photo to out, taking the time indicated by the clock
4:58
